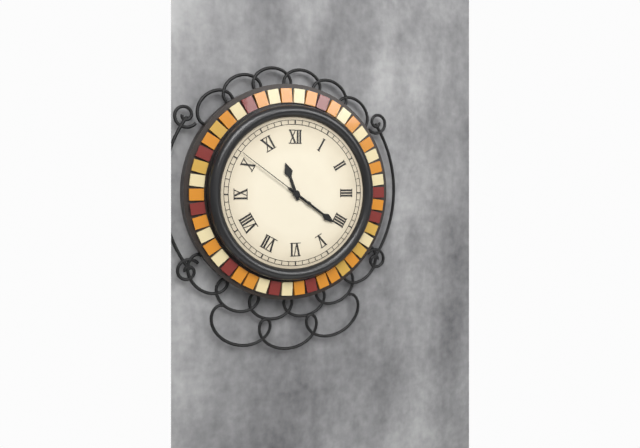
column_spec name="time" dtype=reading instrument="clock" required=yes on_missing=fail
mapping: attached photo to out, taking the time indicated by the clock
11:21:51
